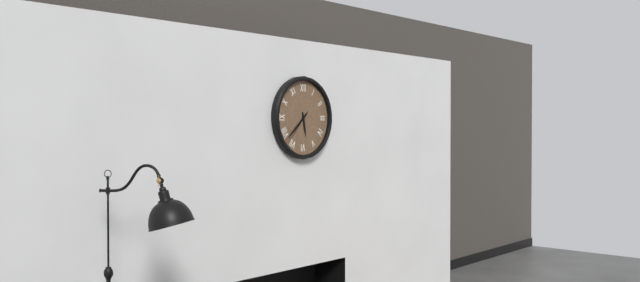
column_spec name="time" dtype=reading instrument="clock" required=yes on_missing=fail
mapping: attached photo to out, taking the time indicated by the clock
5:38
